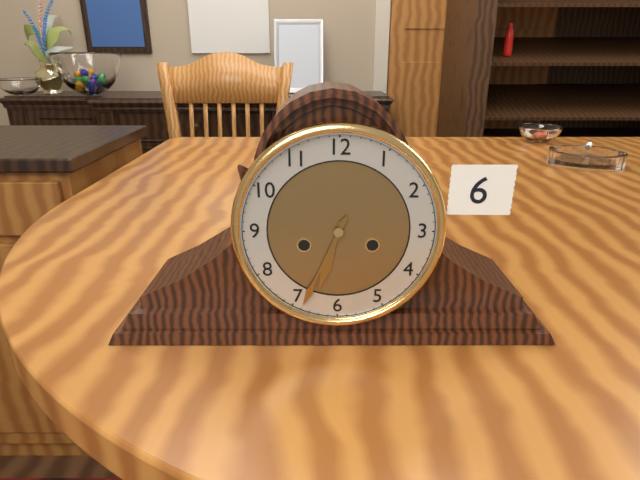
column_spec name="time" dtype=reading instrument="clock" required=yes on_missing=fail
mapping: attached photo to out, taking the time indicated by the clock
6:34
